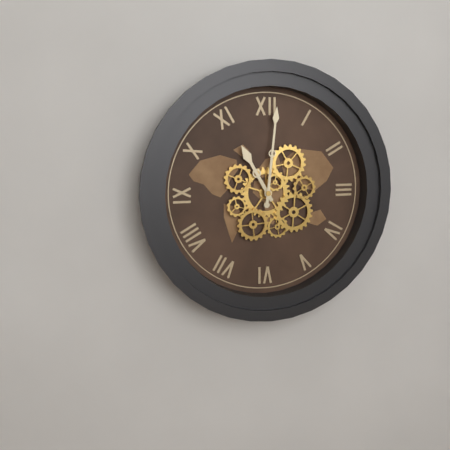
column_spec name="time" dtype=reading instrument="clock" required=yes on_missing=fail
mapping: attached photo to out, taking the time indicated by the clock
11:01
